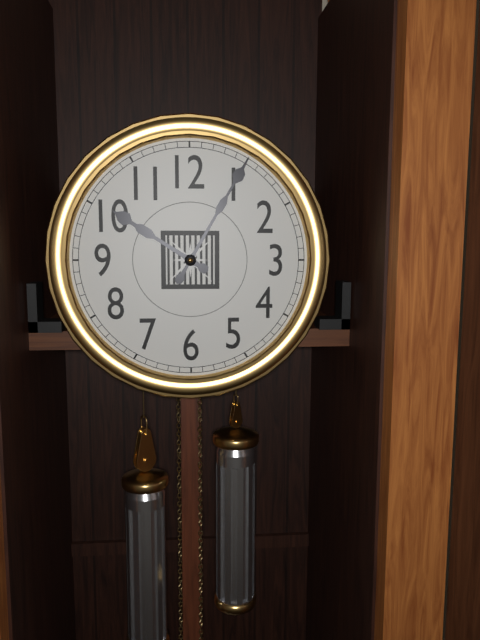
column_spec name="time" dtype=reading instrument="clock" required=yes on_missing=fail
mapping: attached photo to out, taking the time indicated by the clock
10:05
